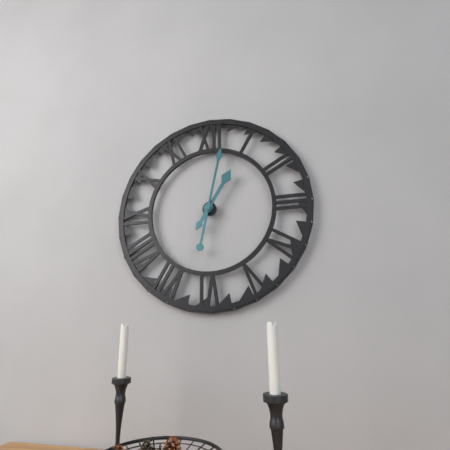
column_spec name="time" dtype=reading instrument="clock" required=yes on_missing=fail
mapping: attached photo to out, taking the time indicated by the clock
1:02
